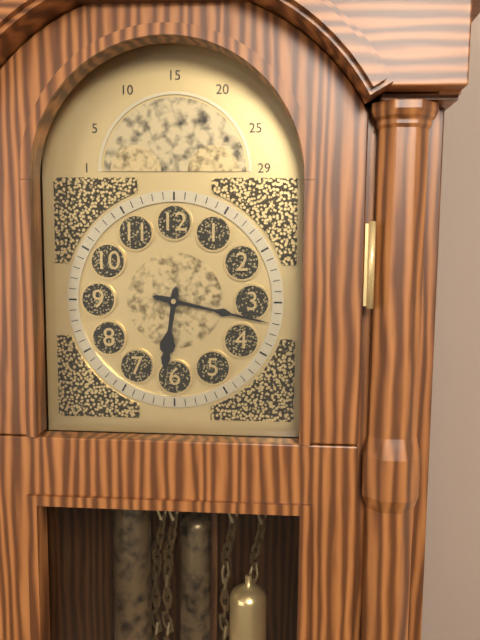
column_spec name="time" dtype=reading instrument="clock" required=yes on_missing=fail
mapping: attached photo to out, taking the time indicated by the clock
6:17
